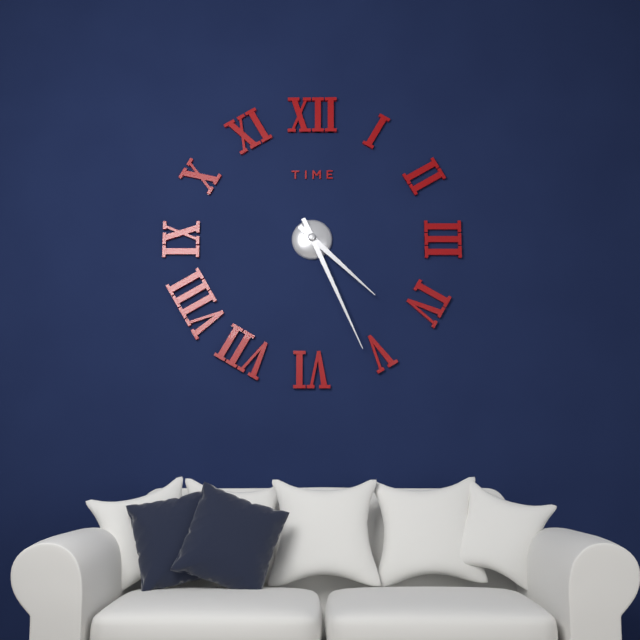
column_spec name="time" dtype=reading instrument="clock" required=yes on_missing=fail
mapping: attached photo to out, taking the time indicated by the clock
4:26
